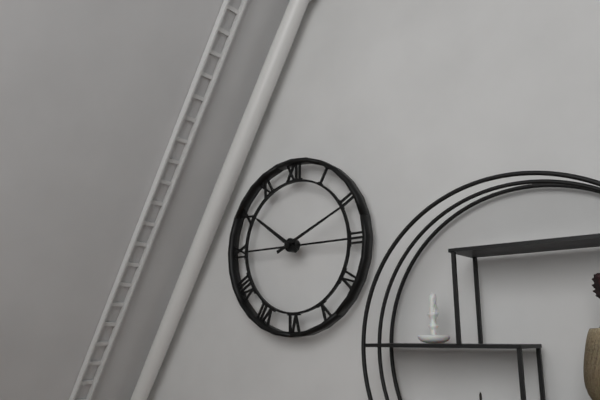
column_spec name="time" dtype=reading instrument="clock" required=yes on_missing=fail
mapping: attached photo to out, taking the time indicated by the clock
10:11
